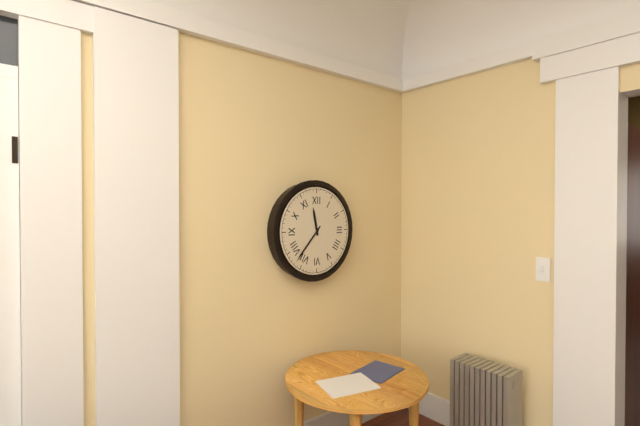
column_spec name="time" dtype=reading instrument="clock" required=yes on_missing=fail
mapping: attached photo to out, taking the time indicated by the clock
11:37
